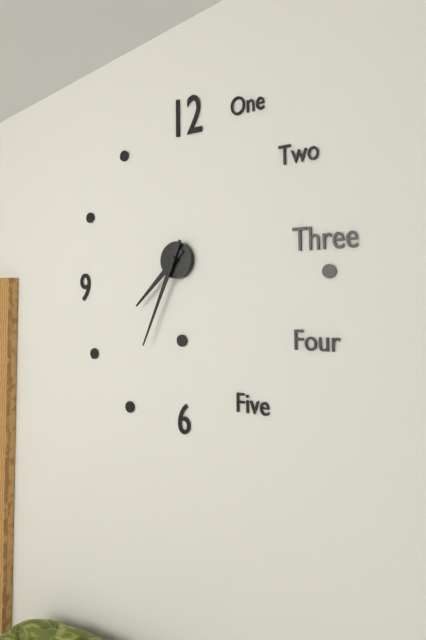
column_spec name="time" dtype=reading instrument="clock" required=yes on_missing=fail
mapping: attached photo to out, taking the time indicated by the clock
7:34
